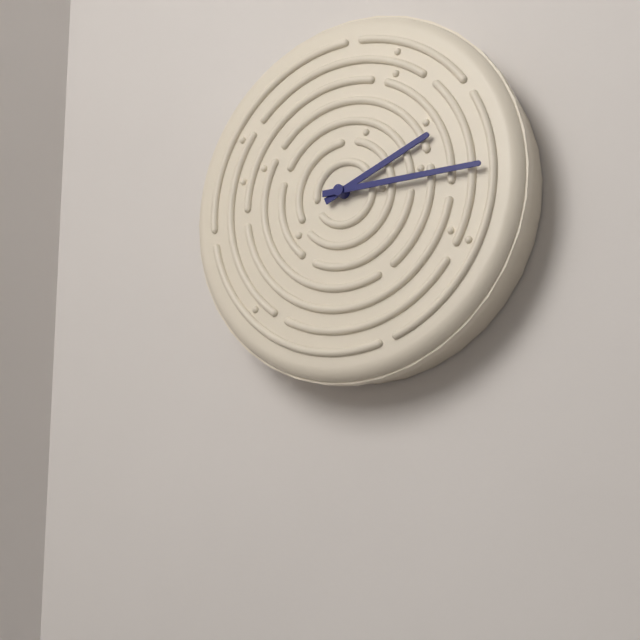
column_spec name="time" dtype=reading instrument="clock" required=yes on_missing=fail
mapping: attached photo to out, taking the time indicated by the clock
2:15
